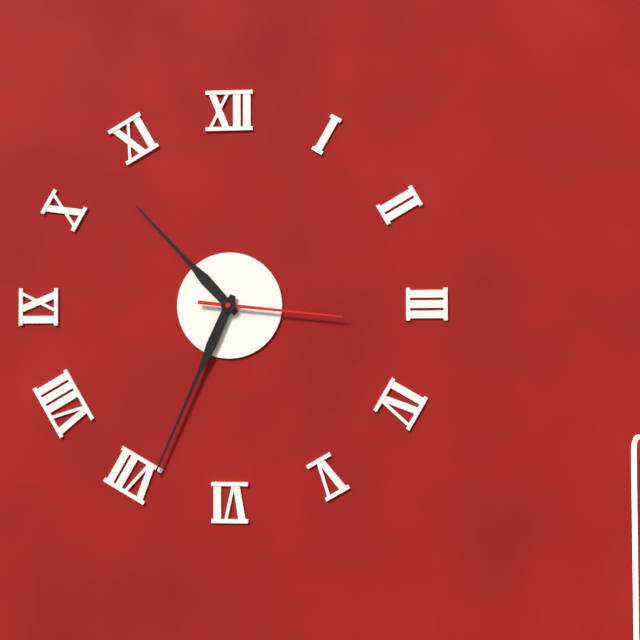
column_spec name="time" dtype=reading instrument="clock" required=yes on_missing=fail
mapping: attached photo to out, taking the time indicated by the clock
10:34:16
